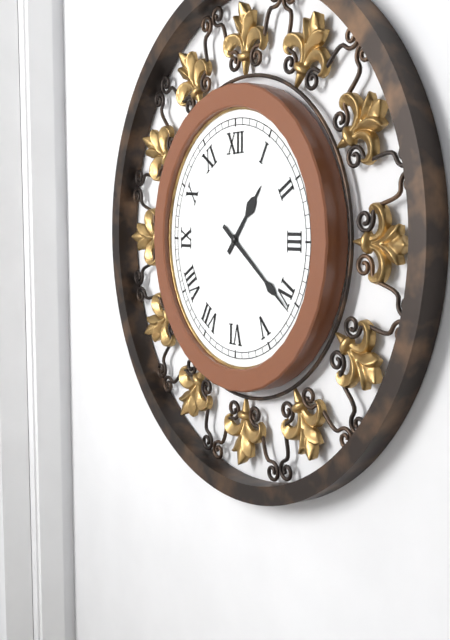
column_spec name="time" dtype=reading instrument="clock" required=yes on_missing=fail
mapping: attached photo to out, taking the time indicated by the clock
1:21
